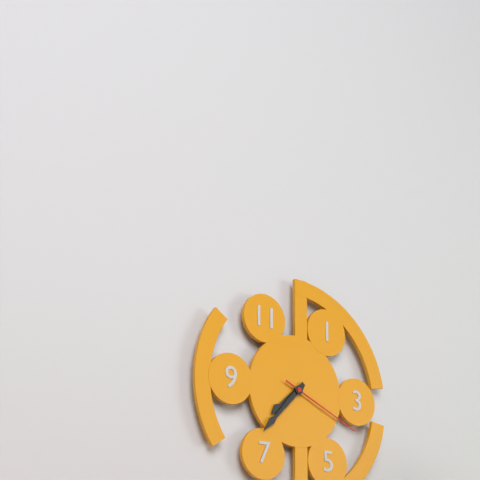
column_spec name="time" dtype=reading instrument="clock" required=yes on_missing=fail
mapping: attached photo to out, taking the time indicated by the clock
7:37:19
